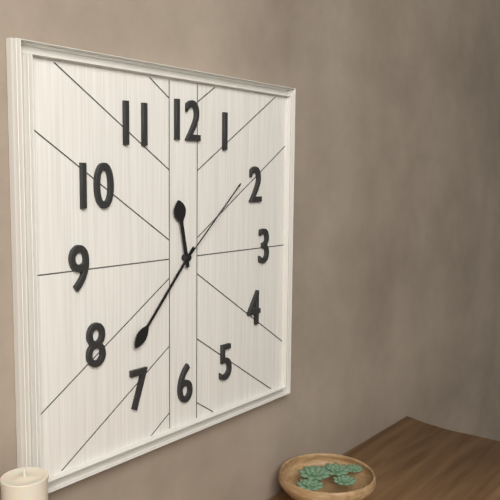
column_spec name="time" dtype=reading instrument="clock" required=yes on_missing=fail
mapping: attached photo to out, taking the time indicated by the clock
11:37:08
